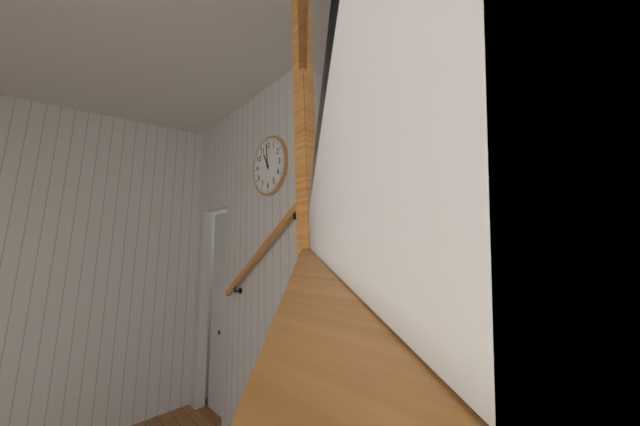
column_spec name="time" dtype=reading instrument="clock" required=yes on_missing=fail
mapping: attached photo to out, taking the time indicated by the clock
10:59
